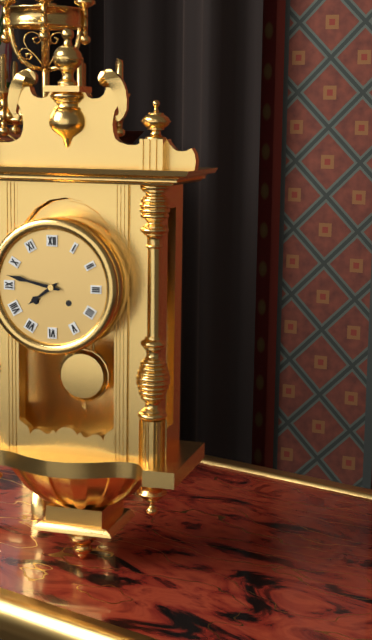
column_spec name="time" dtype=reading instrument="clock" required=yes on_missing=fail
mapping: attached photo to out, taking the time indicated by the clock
7:47
